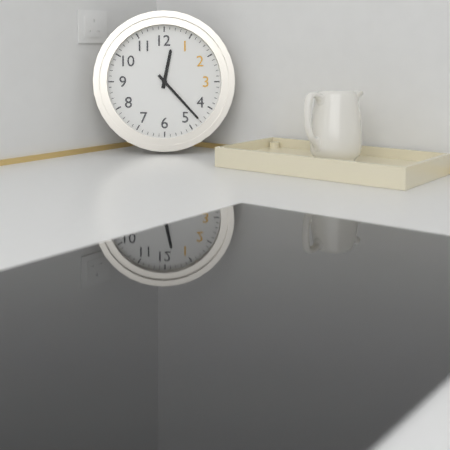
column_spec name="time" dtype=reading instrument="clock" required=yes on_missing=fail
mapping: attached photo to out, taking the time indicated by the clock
12:23
